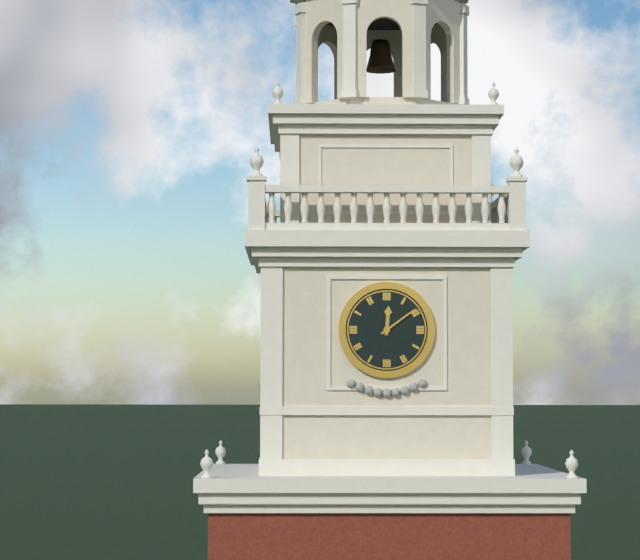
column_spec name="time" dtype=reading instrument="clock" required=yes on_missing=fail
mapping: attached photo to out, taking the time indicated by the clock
12:09
